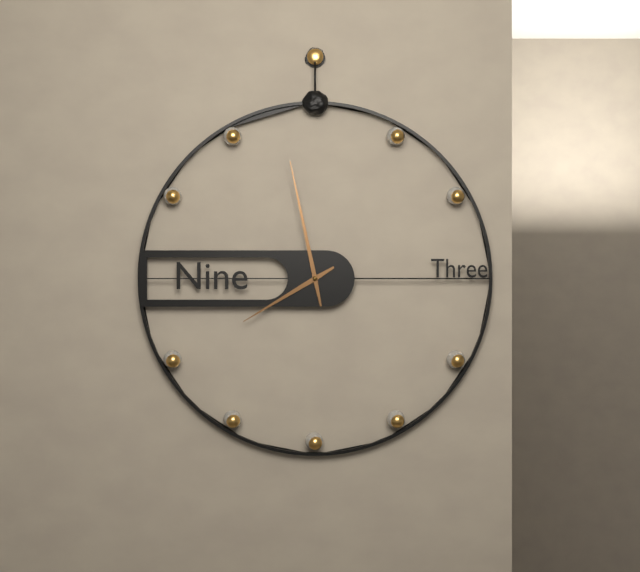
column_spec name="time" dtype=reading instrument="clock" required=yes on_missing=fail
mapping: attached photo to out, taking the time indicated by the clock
7:58
